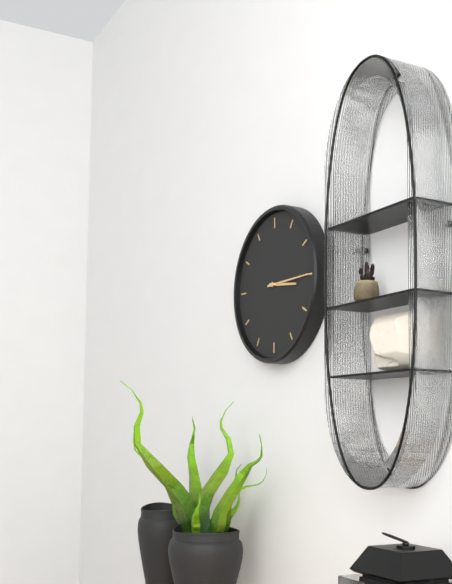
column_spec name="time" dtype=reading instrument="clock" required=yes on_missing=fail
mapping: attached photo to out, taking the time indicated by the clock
3:15
